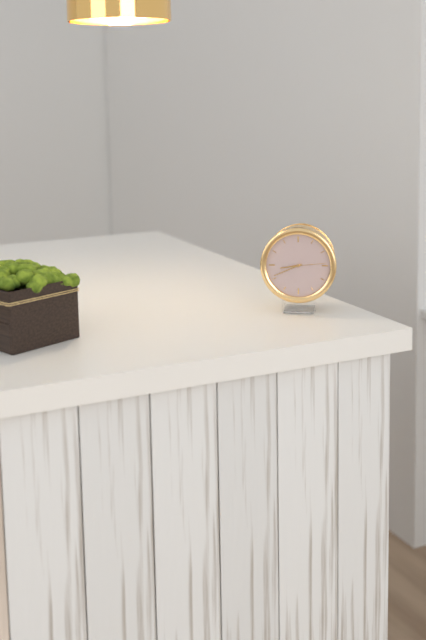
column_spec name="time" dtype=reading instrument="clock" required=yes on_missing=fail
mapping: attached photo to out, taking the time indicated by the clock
8:41
